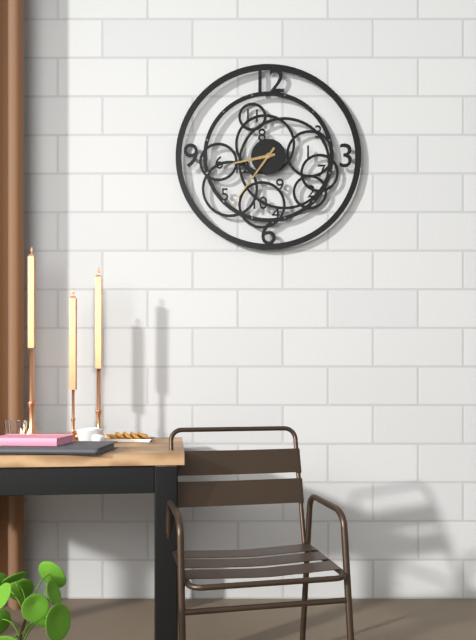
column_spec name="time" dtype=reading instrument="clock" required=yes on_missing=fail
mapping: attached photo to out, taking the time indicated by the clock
8:36
